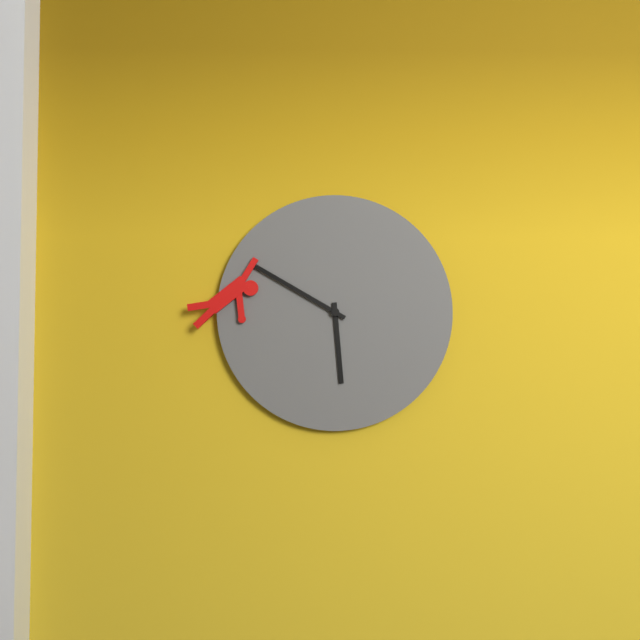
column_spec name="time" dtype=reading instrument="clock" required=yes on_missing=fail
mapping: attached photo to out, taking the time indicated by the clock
5:50
